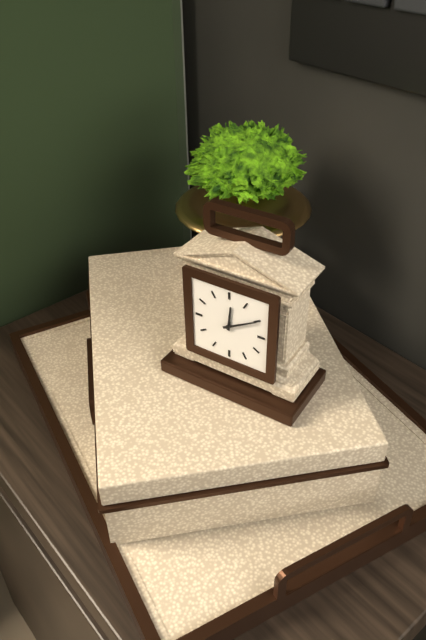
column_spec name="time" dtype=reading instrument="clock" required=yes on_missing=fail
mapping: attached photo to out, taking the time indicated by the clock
12:10
